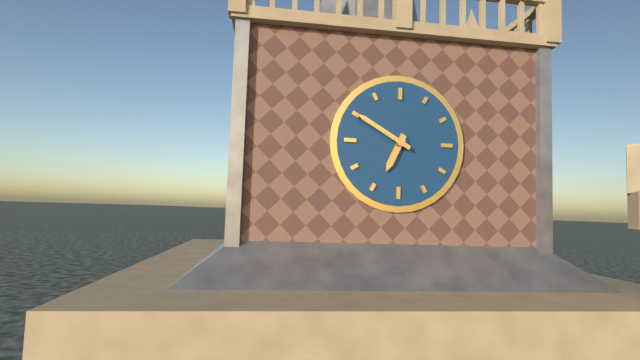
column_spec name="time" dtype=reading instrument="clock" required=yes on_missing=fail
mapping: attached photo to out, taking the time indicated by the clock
6:50
